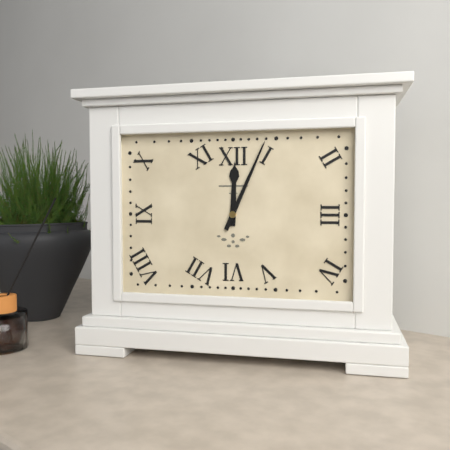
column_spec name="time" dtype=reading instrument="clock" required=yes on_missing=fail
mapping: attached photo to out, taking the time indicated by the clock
12:04
